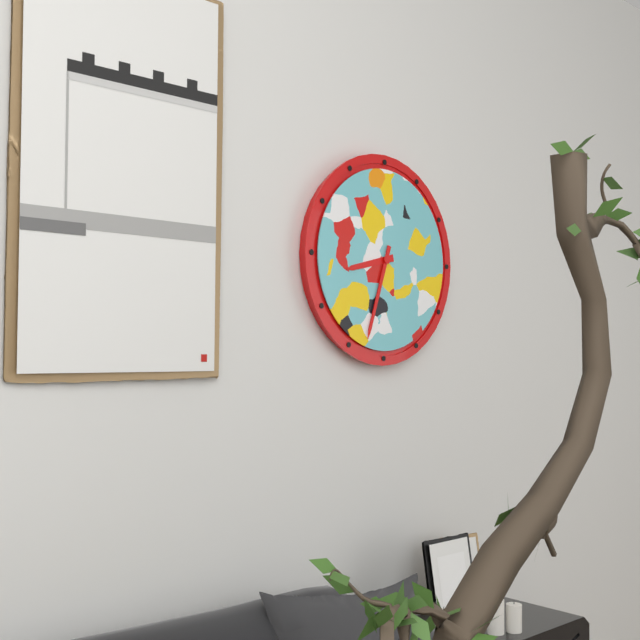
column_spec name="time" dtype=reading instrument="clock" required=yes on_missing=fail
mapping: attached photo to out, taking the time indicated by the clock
8:33
